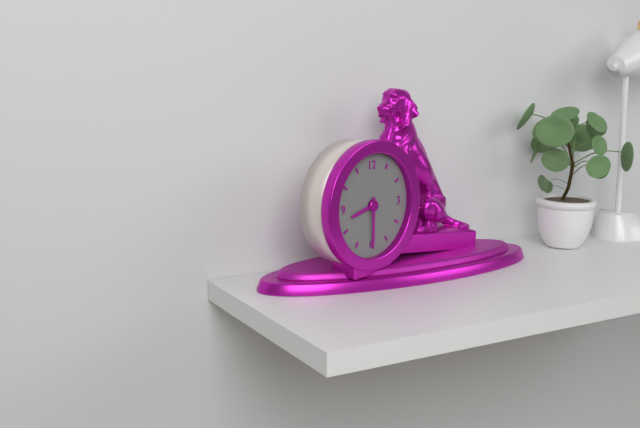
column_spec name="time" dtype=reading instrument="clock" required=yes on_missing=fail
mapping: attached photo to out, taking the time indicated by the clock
8:30
